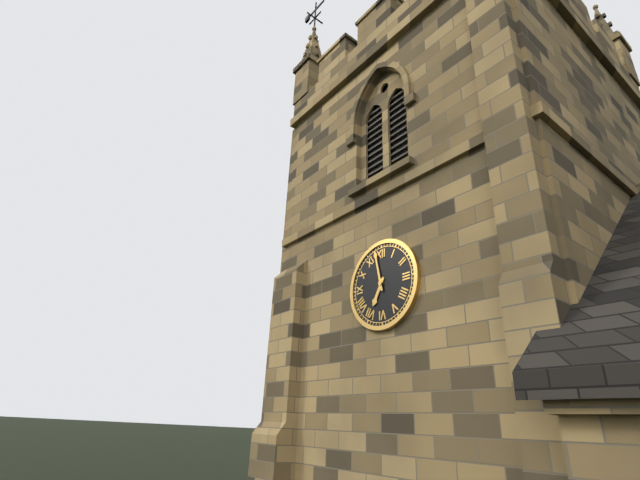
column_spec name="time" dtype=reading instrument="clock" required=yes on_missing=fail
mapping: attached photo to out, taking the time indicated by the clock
6:58
